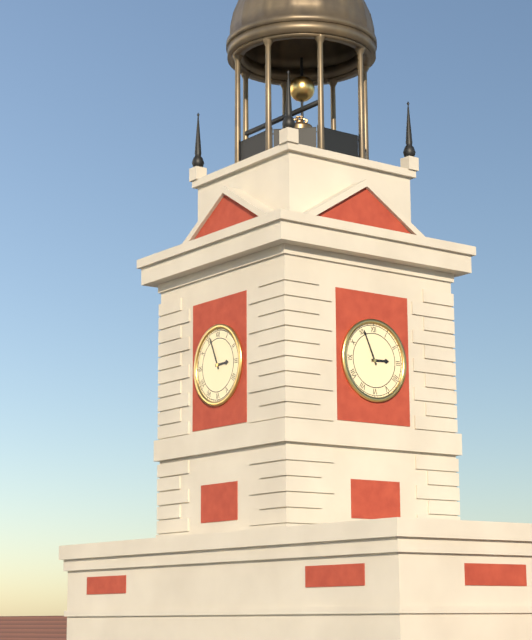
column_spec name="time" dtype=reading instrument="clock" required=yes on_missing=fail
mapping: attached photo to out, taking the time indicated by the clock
2:56
